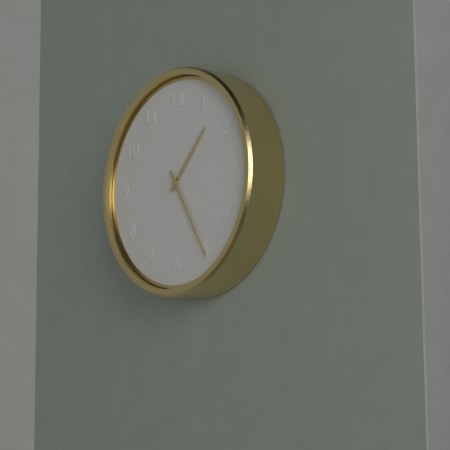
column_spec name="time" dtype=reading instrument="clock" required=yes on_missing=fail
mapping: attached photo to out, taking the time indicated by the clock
1:25
